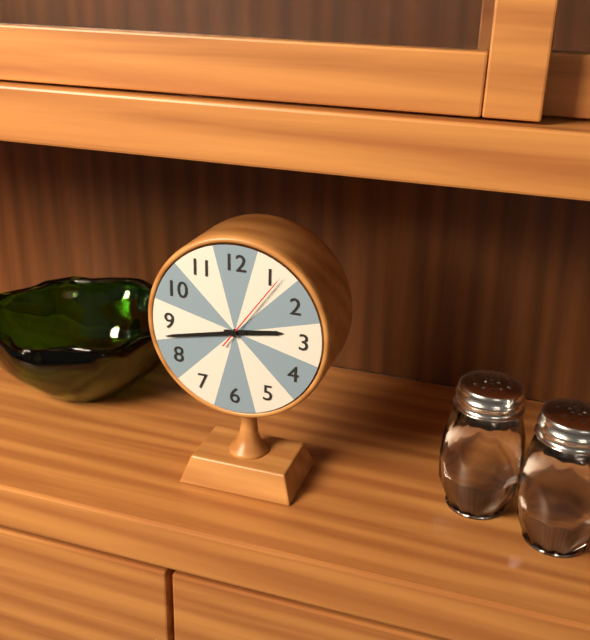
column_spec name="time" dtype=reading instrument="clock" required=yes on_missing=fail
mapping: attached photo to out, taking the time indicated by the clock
2:43:06
